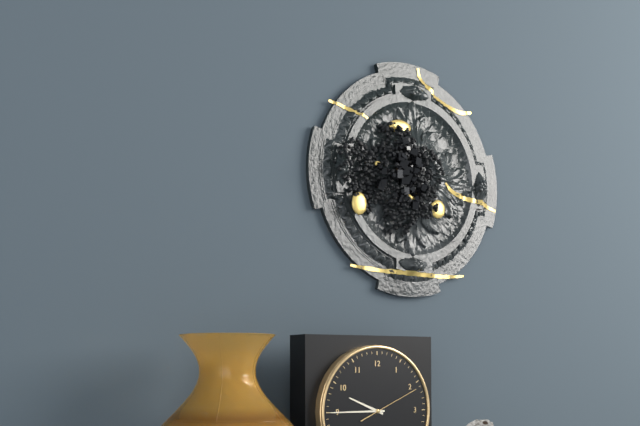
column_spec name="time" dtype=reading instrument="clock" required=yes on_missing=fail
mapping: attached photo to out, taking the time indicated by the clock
9:45:11
